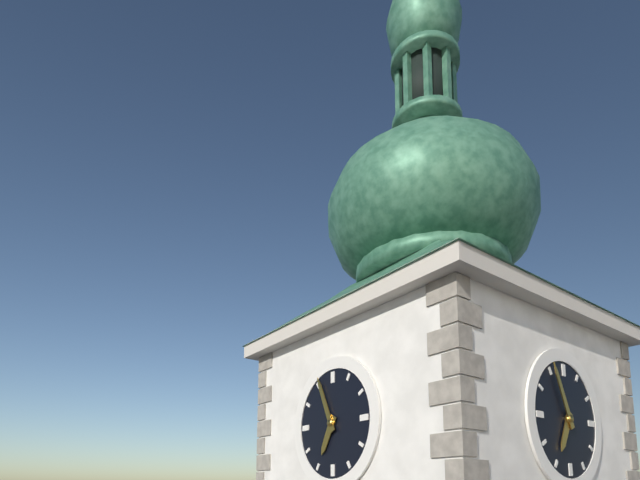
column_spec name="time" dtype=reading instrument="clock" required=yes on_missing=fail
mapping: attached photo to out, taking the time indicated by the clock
6:56
